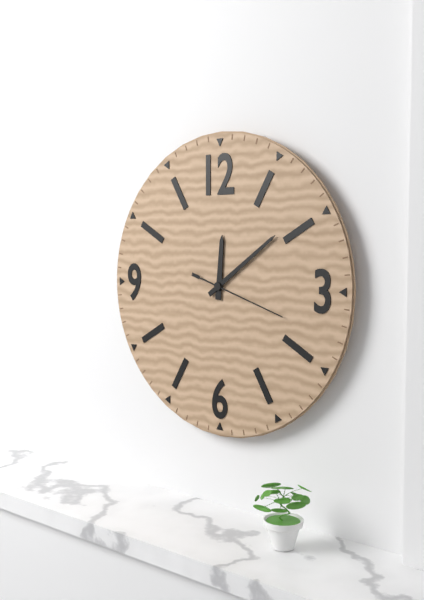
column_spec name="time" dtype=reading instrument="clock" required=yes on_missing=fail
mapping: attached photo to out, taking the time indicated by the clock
12:09:18
